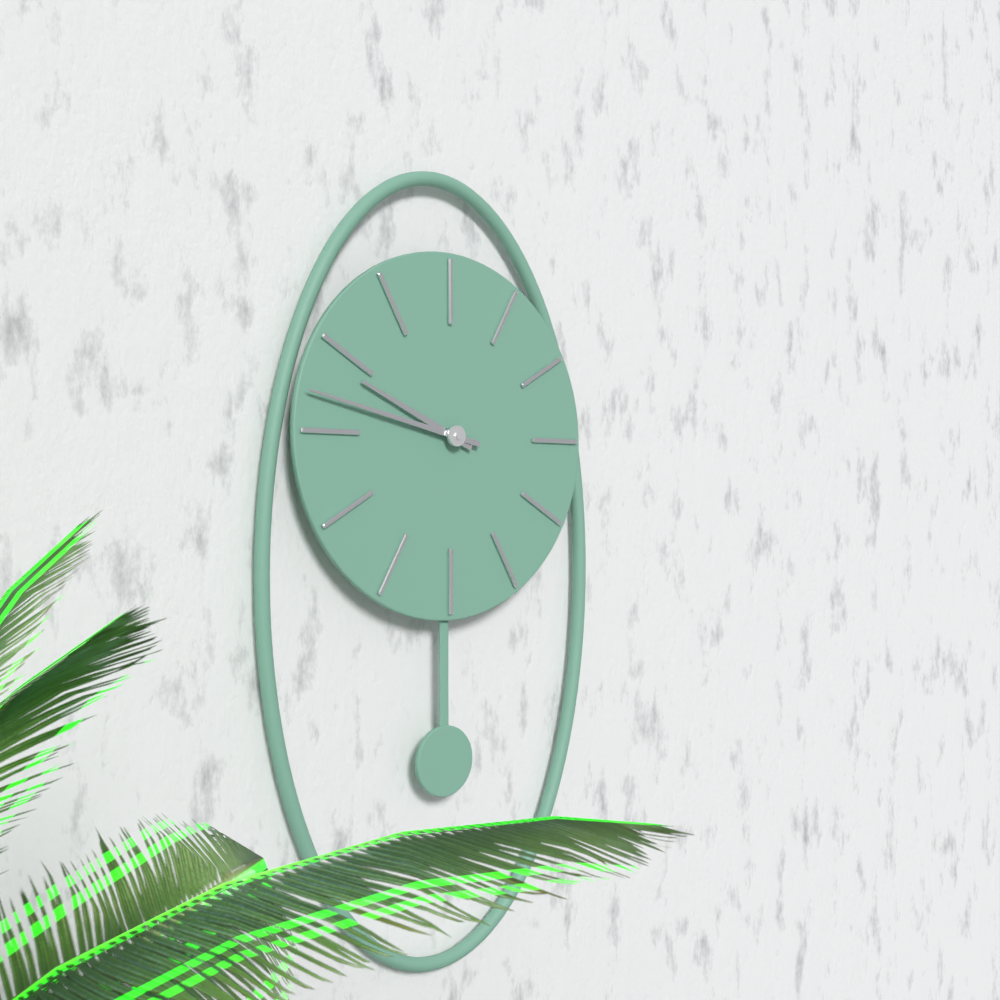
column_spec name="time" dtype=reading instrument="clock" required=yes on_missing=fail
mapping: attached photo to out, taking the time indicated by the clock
9:47
